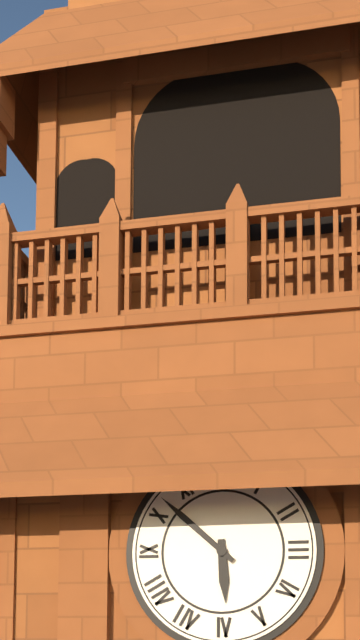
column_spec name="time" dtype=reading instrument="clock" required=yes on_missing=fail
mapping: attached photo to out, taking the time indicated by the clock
5:52
